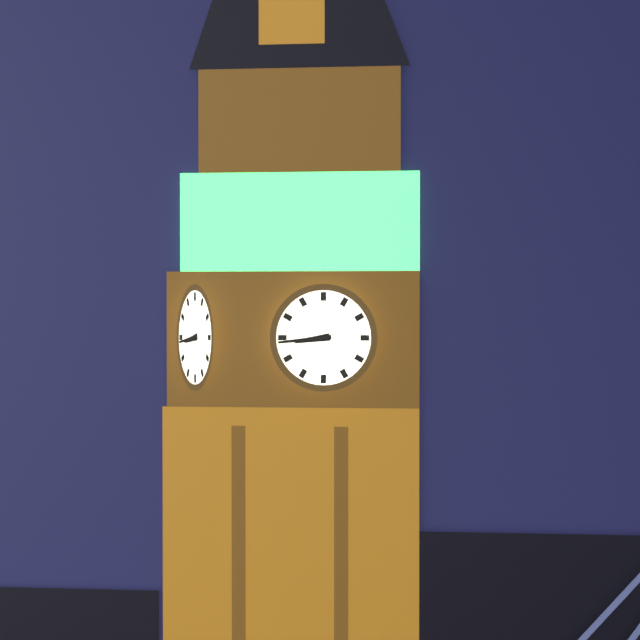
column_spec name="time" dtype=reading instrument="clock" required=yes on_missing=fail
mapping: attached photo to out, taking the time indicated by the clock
8:44
